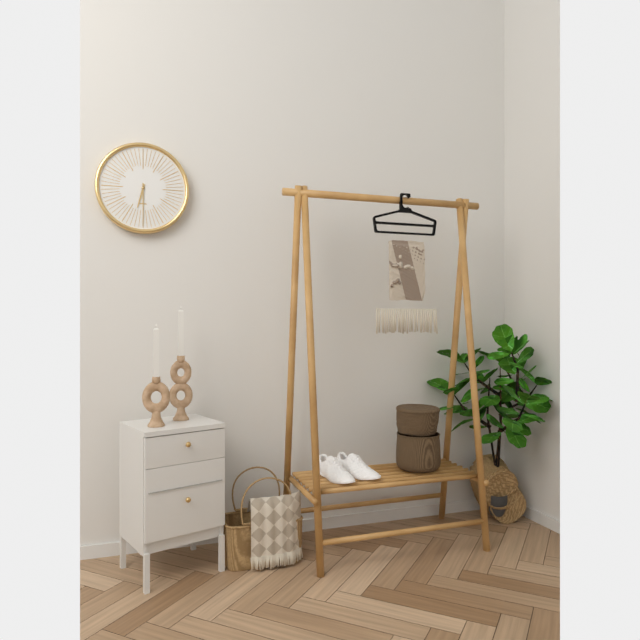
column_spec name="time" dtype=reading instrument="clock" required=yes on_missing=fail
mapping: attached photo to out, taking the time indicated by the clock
6:30
